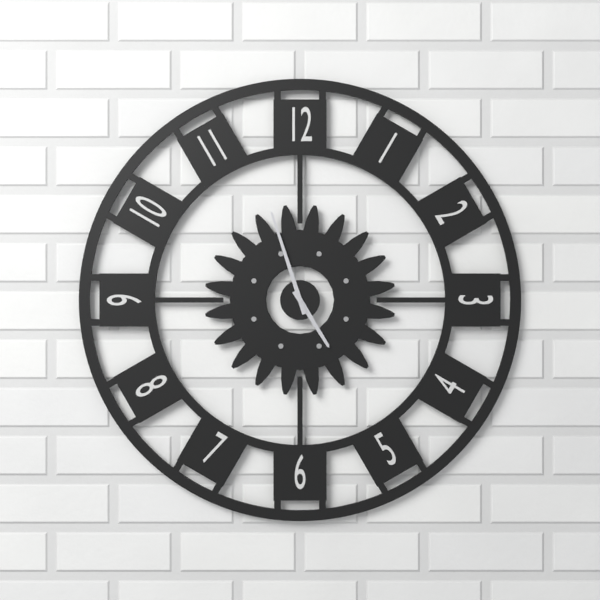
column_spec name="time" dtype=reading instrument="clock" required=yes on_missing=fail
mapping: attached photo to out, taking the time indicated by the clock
4:57
